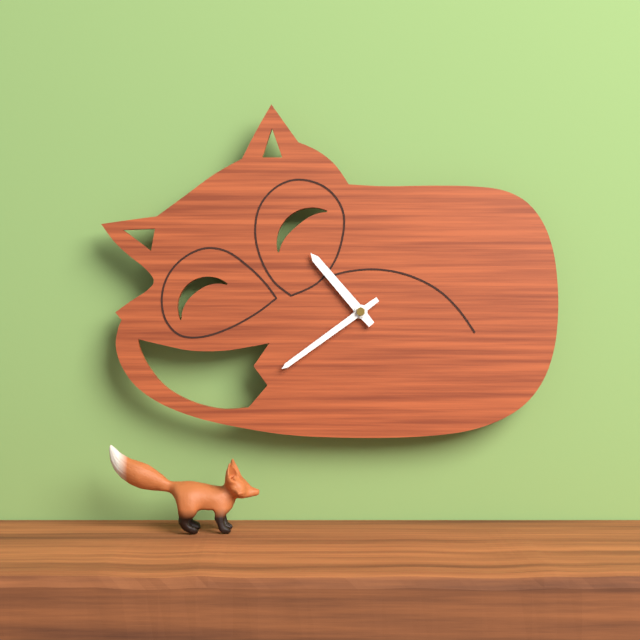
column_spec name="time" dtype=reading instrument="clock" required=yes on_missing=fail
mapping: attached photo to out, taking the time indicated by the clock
10:39
